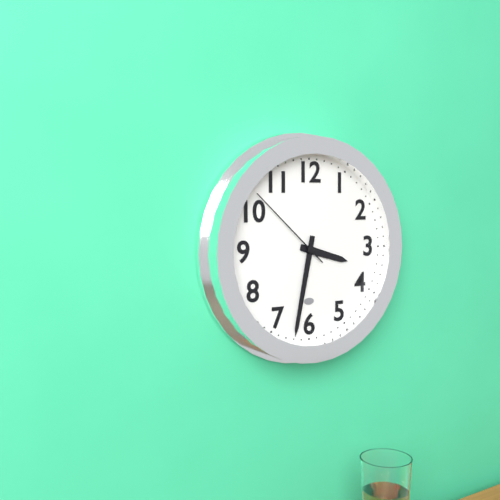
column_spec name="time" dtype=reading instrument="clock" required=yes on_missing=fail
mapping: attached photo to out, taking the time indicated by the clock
3:32:52
